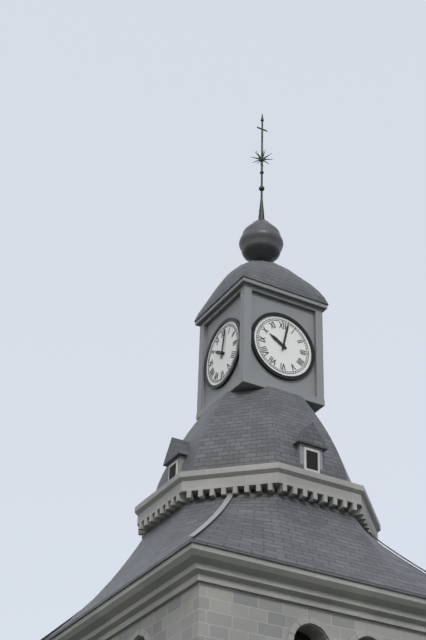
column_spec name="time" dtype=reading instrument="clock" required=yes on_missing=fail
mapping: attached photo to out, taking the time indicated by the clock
10:02
